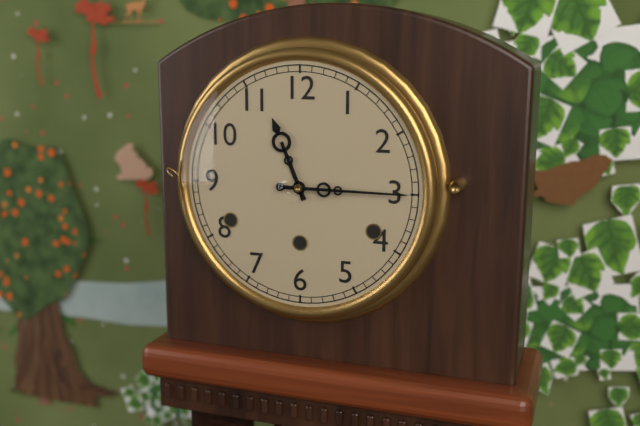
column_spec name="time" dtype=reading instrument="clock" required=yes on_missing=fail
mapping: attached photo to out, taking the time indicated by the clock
11:15
